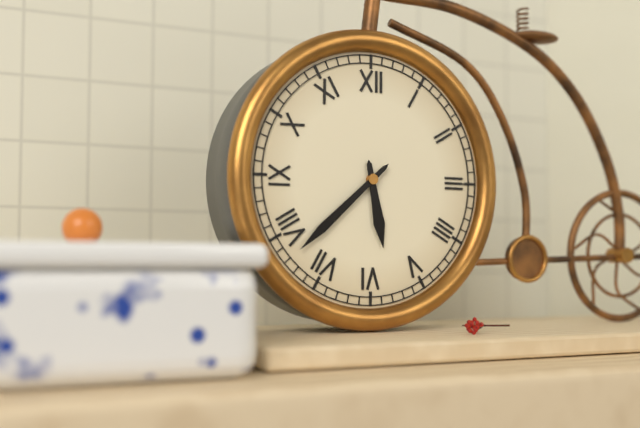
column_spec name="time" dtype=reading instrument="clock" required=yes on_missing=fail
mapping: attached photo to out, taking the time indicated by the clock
5:38
